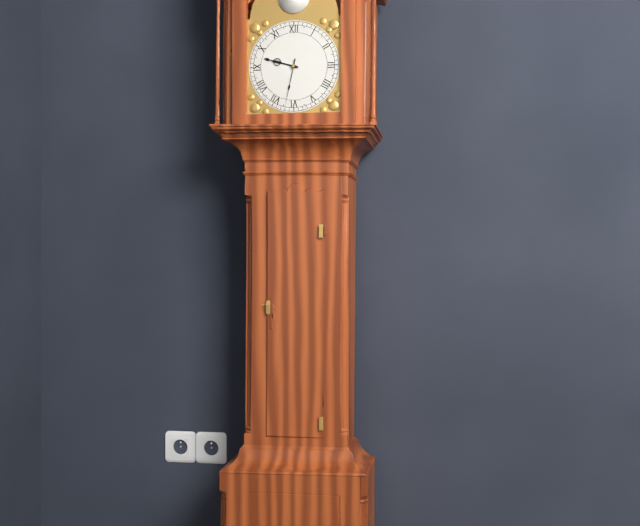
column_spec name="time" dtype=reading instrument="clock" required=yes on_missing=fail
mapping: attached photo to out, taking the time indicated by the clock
9:32
